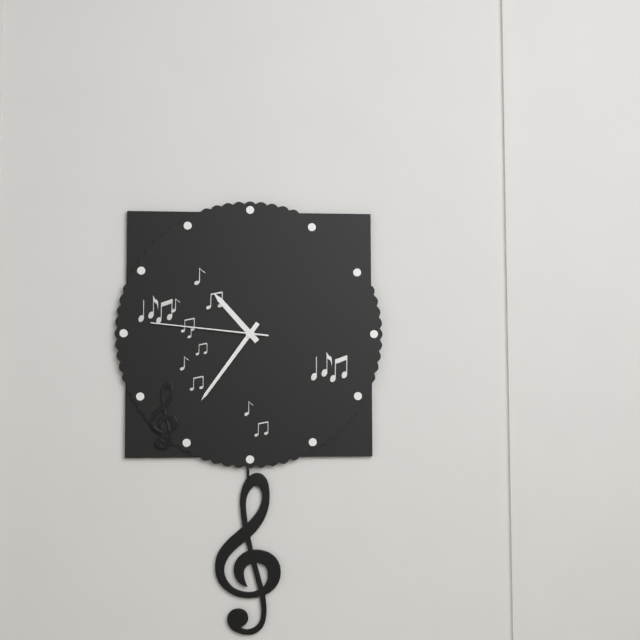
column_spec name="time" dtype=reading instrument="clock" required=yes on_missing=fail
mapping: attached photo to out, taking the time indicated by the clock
10:36:46
